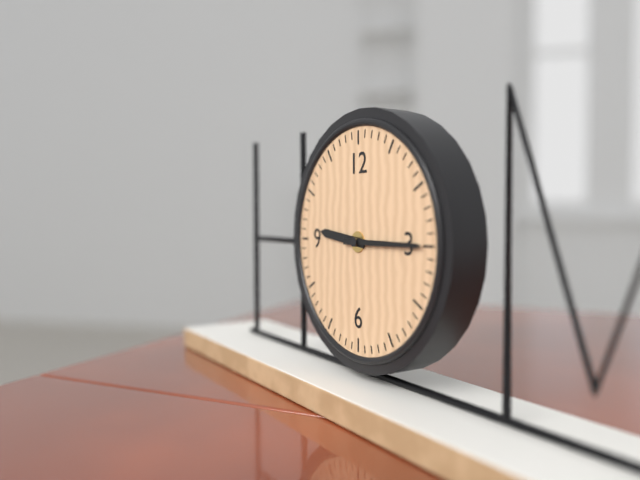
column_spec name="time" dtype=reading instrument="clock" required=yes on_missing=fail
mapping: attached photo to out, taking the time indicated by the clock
9:15
